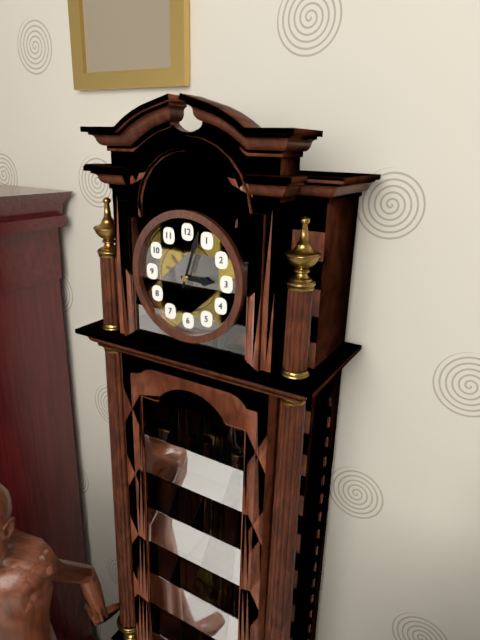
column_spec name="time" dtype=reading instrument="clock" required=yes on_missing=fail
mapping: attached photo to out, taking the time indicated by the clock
3:03
